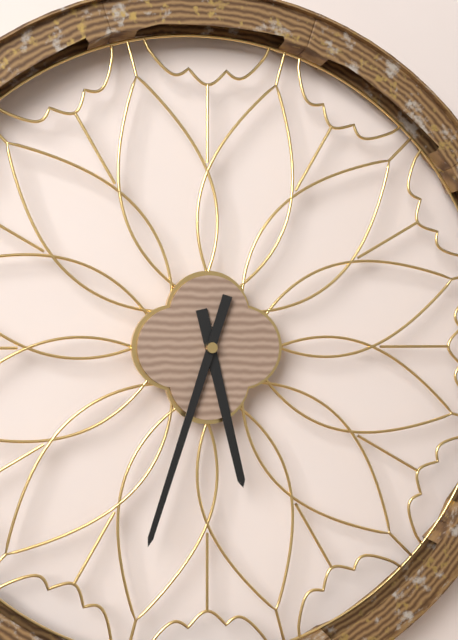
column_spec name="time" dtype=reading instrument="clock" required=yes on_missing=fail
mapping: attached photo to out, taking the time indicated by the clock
5:33
